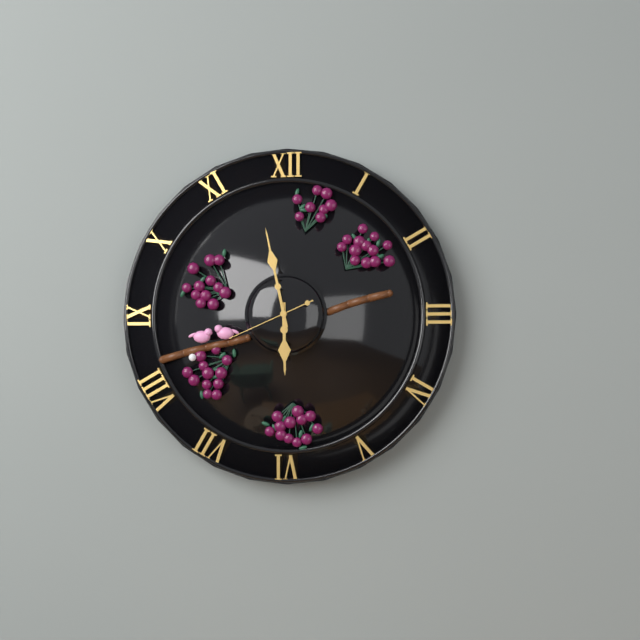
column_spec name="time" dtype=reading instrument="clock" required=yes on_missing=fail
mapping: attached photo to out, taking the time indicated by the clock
5:58:41
